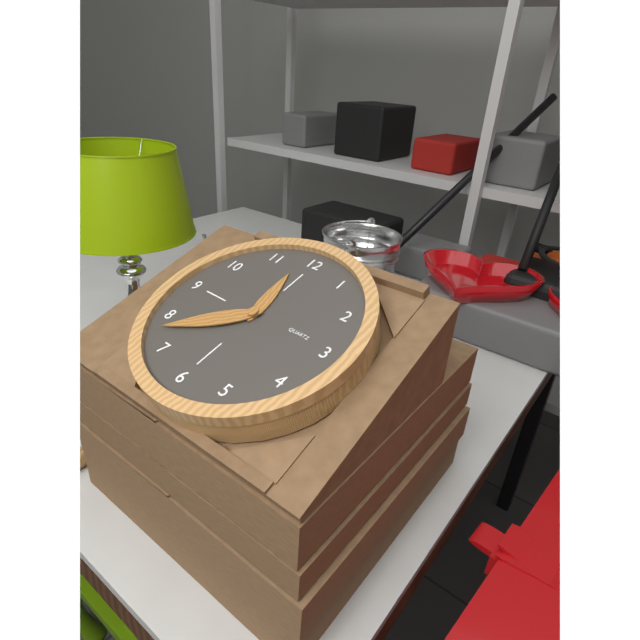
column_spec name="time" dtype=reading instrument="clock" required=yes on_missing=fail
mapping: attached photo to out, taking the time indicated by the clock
11:38
